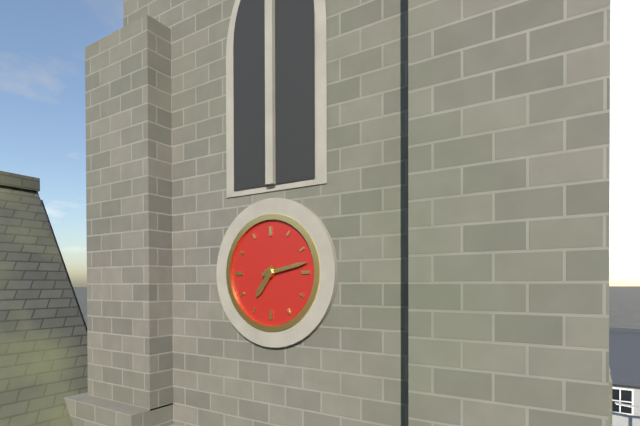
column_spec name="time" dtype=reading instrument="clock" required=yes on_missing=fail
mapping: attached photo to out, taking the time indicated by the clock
7:13
